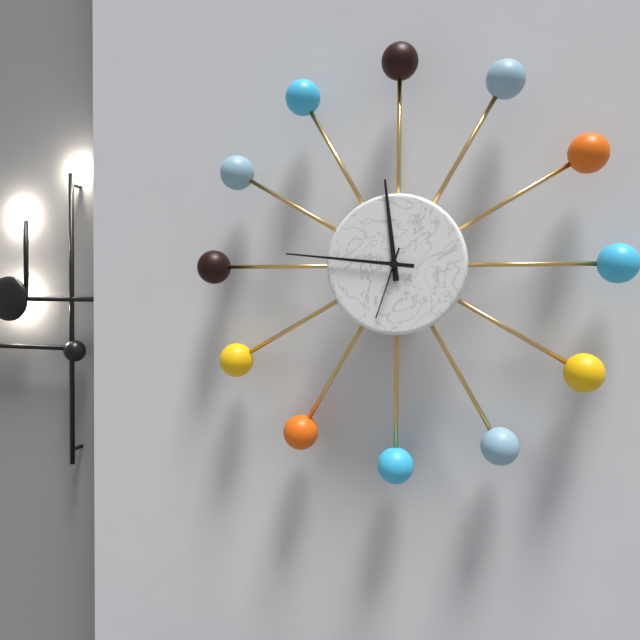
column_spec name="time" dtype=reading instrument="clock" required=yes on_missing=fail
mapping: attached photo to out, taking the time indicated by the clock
11:46:33
